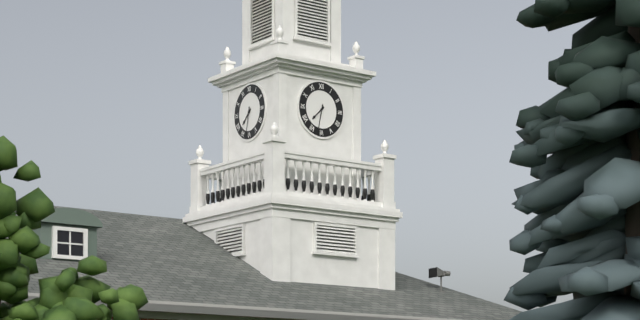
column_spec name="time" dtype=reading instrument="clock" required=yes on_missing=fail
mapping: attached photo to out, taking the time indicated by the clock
7:32
